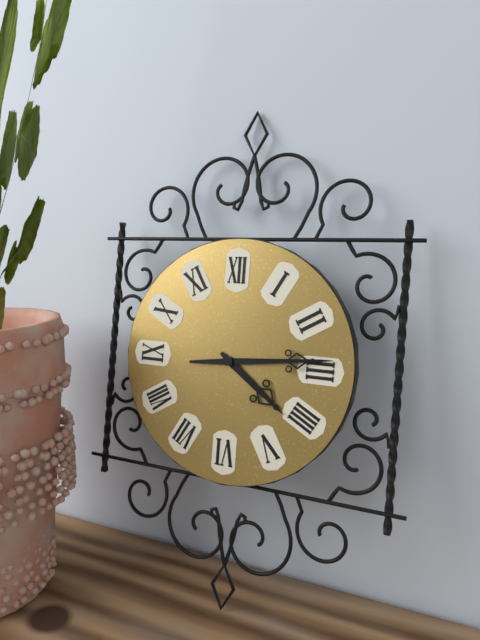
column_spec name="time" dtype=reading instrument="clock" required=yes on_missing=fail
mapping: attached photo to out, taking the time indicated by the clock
4:14
